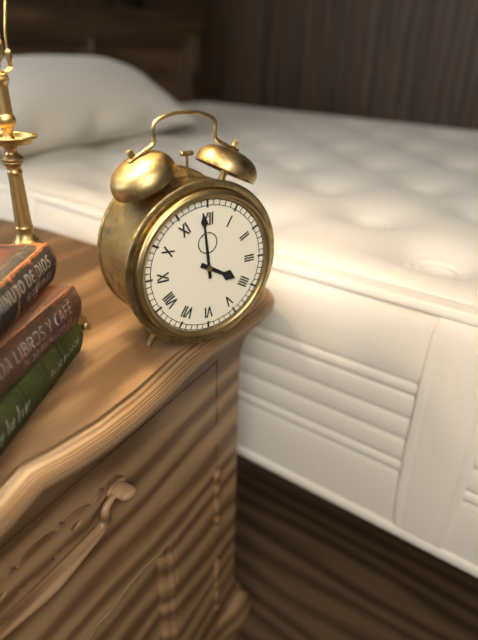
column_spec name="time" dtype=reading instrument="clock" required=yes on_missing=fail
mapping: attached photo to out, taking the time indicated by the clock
3:59
